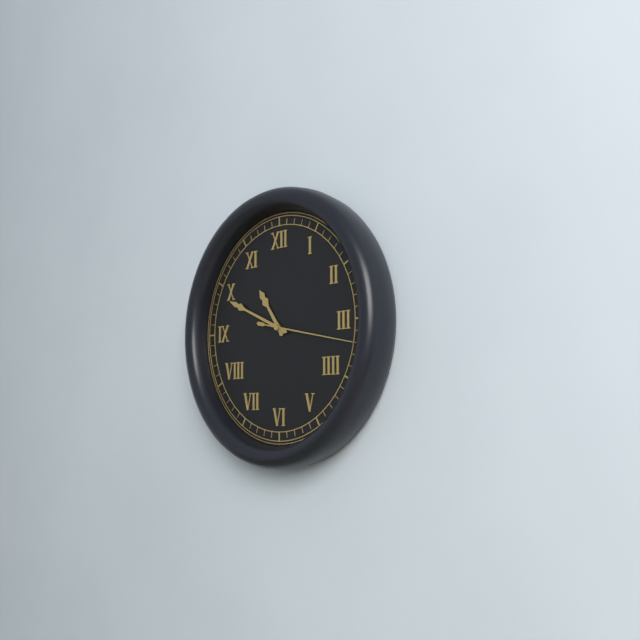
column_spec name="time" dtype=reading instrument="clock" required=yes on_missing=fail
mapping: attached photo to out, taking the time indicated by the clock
10:49:17
